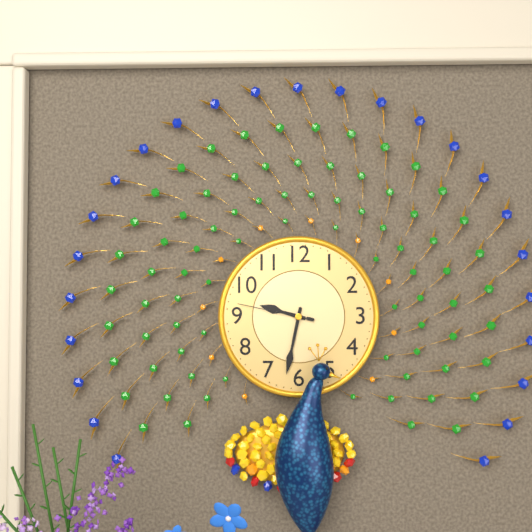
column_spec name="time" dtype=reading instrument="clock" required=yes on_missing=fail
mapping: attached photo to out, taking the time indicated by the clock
9:32:47
